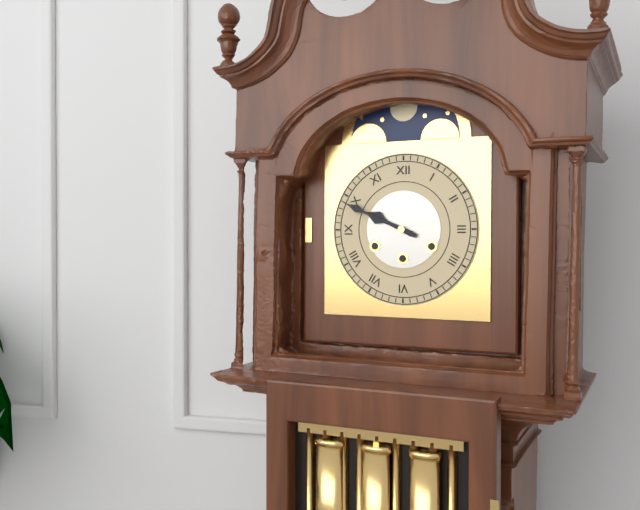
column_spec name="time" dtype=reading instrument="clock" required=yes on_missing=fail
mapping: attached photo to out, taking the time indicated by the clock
9:49
